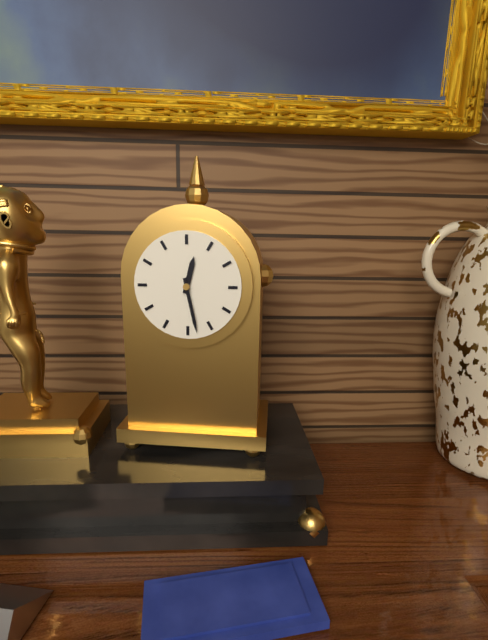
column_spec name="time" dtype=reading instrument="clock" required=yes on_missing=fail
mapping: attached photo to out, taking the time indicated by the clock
12:28
